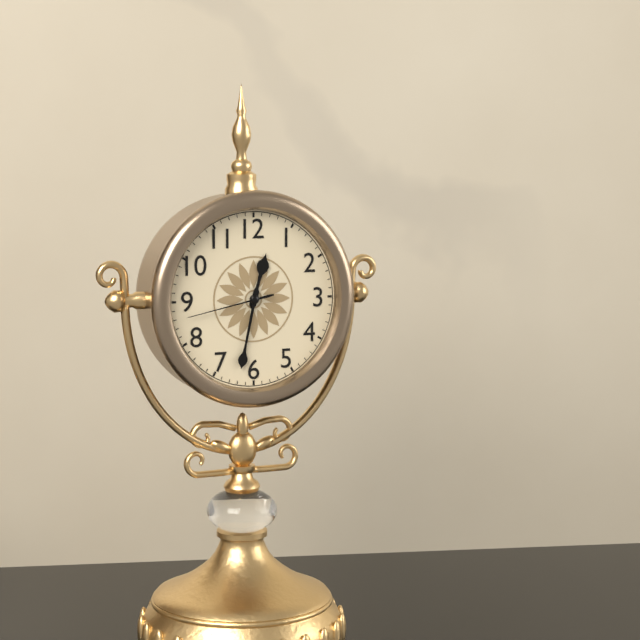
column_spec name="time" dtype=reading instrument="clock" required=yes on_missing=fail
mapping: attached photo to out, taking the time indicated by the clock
12:32:43
